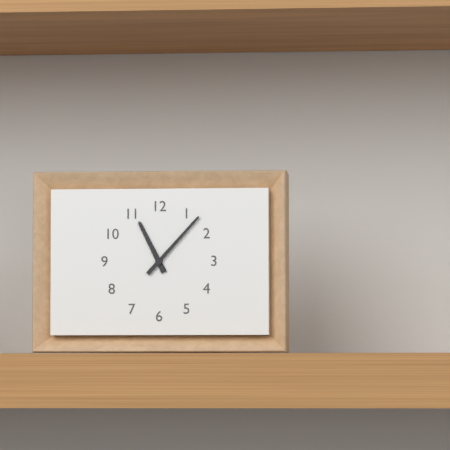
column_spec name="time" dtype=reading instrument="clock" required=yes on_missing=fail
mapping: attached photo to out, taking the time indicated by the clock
11:07
